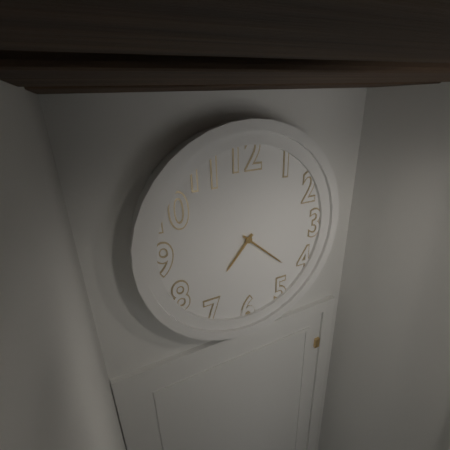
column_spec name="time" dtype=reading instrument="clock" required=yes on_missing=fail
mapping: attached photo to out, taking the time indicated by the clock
7:22
